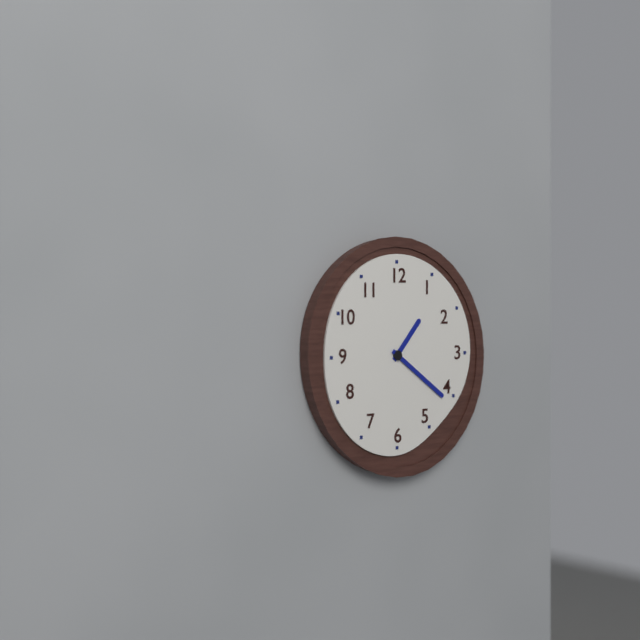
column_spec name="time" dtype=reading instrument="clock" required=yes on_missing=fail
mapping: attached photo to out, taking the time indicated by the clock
1:21
